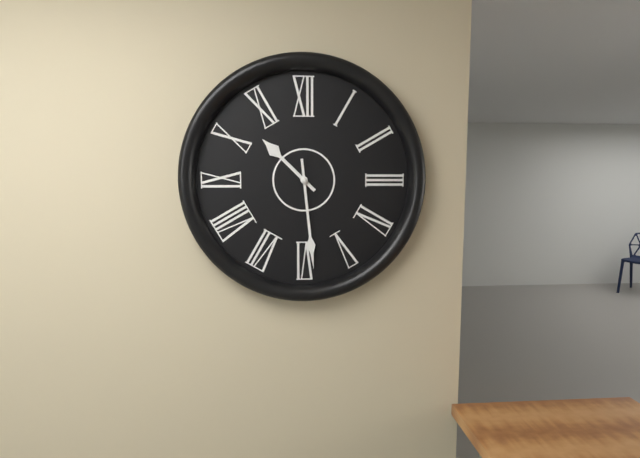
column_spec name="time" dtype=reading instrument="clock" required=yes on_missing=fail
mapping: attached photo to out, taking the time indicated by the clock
10:29
